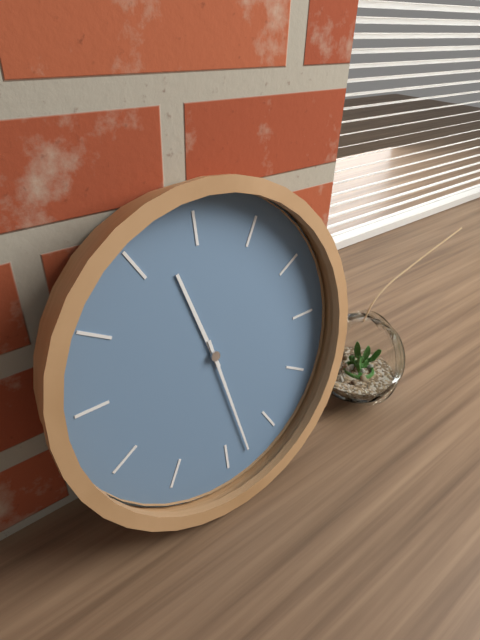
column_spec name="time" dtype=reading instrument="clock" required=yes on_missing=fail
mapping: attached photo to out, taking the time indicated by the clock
11:28
